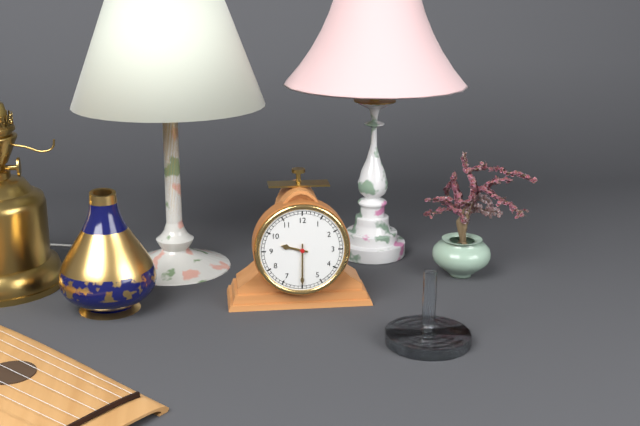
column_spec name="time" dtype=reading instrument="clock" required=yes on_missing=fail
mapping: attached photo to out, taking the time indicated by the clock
9:30
